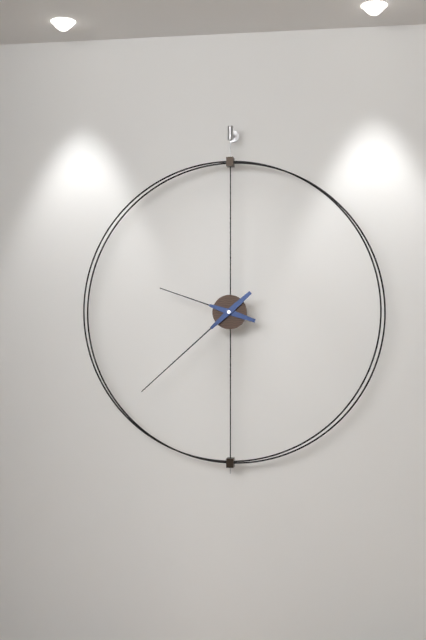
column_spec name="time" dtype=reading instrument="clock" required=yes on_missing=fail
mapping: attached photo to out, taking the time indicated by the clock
9:38
